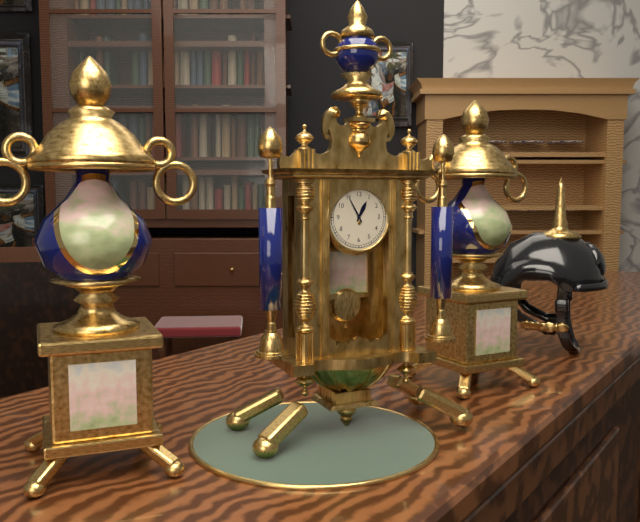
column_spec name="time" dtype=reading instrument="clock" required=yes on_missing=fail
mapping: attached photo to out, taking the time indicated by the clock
12:55
